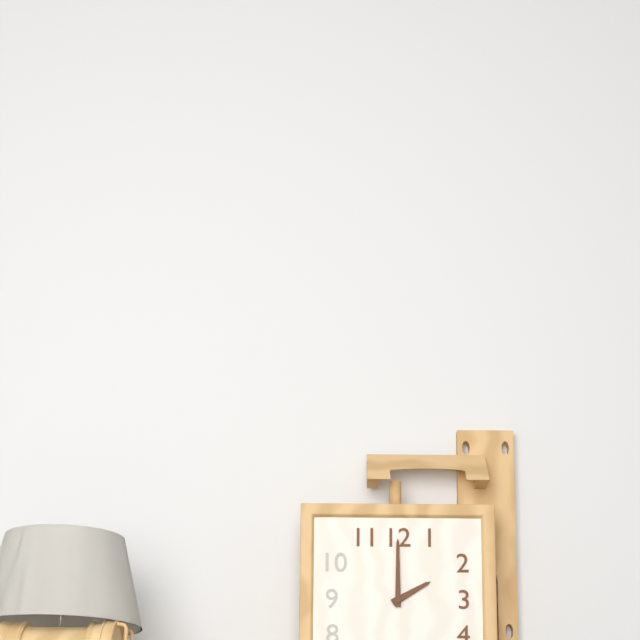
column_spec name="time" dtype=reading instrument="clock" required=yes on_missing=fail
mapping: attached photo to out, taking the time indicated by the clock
2:00
